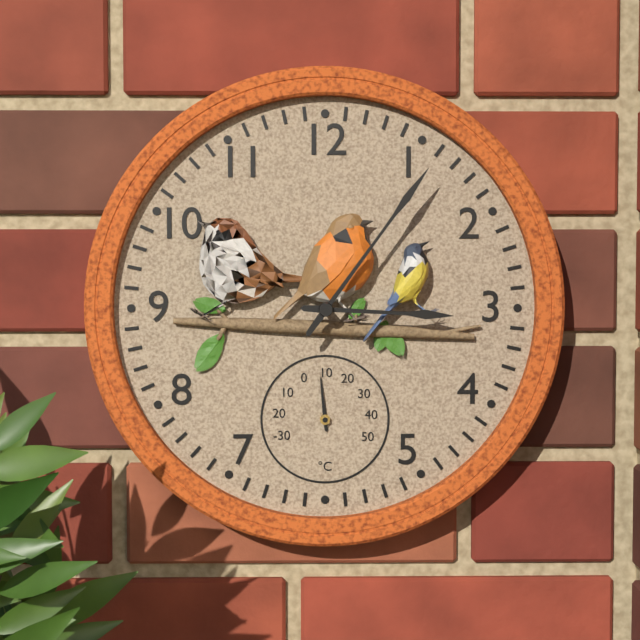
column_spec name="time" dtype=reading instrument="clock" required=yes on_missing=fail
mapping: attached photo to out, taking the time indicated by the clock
3:06
